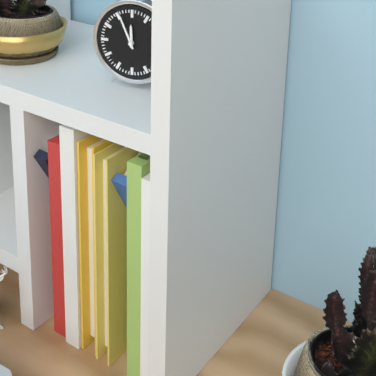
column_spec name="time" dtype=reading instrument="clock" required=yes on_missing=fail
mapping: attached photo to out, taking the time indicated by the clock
11:56
